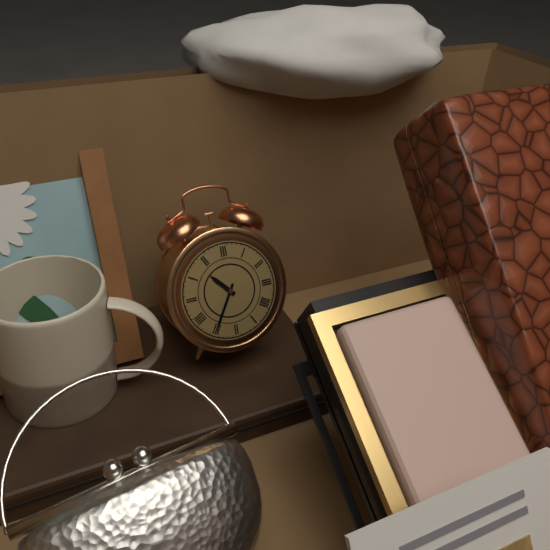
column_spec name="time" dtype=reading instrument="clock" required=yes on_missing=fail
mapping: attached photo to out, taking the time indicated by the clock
10:35
